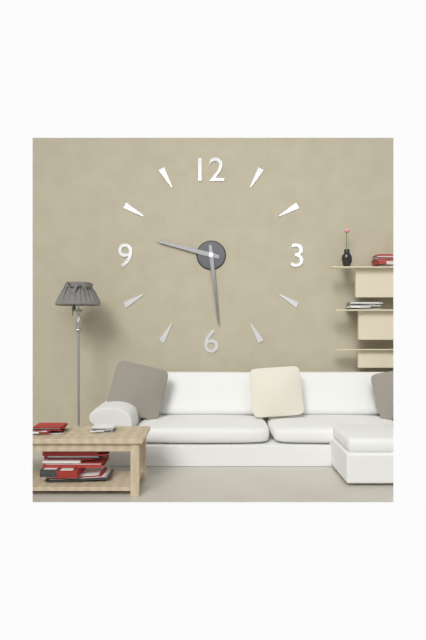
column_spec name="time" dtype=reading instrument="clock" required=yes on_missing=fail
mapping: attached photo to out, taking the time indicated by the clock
9:29
